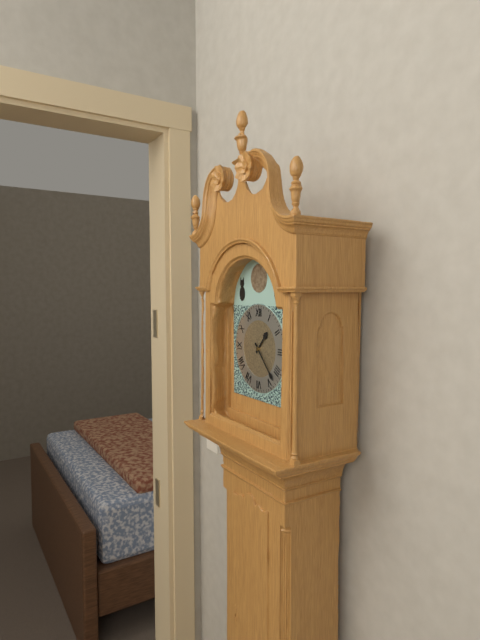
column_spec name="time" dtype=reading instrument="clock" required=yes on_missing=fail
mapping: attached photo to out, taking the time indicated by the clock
1:23
